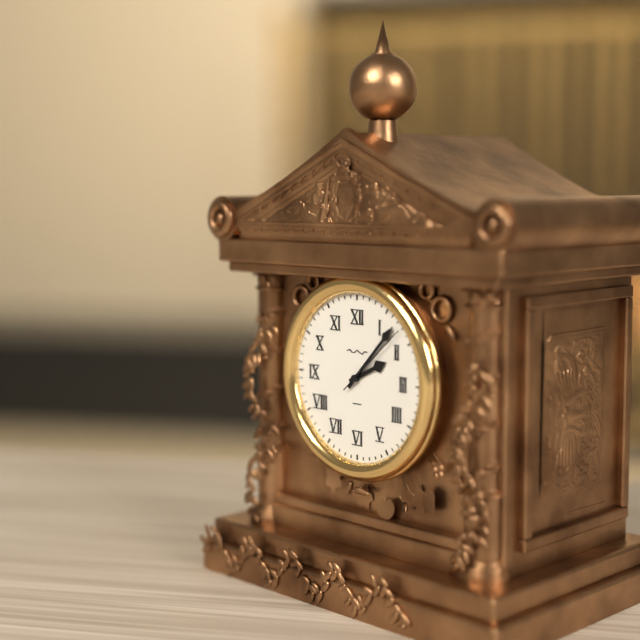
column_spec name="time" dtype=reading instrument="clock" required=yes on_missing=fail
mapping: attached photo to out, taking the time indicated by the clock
2:07:08
